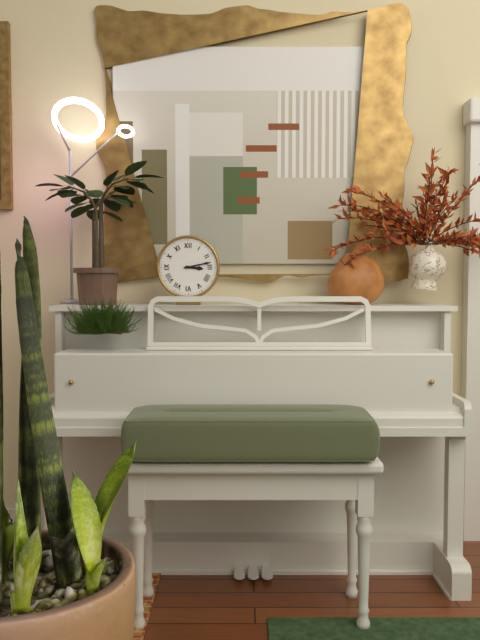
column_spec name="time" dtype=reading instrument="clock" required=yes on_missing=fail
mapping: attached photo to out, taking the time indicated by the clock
3:13
